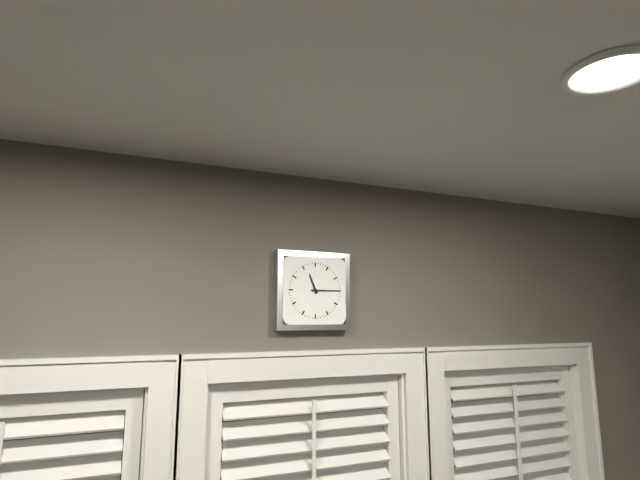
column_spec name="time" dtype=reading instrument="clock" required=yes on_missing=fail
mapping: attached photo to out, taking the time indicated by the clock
11:15
